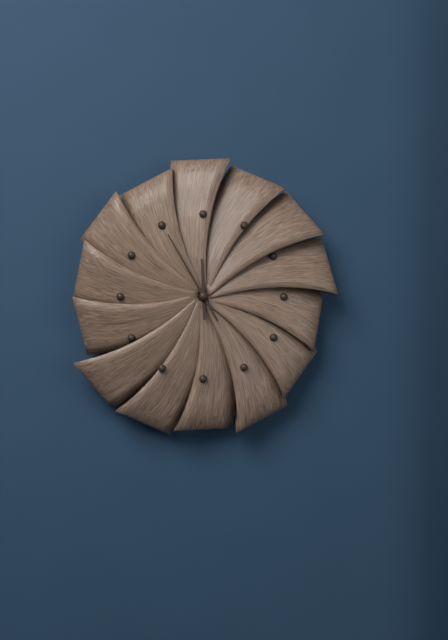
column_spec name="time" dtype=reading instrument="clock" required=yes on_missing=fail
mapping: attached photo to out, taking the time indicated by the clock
11:55
